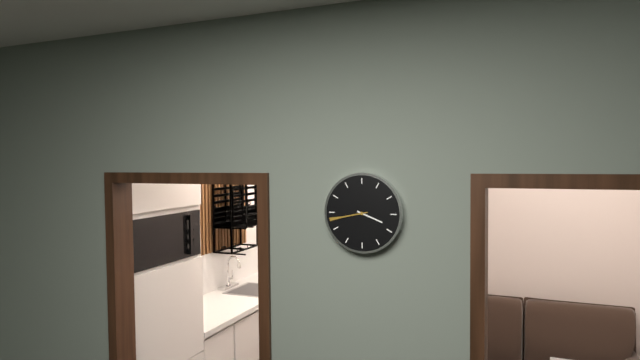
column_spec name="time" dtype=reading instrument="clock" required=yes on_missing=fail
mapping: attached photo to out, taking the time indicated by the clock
3:43
